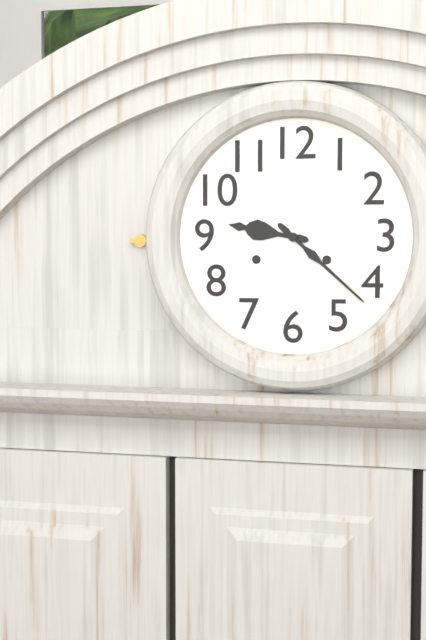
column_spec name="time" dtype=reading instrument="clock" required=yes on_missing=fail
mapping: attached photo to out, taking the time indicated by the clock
9:22
